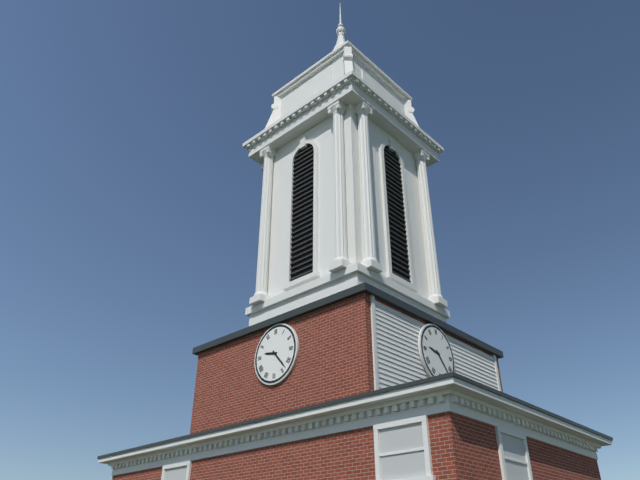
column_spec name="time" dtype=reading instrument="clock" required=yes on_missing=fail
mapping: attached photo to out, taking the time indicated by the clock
9:23
